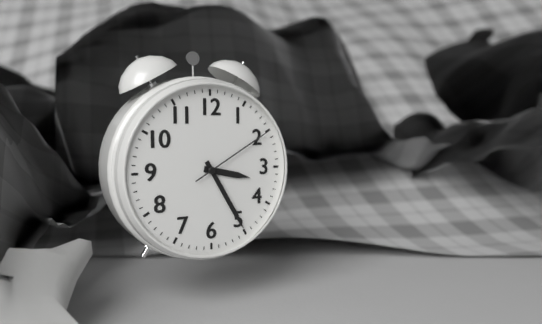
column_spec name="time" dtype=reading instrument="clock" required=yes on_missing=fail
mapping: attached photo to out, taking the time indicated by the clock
3:25:10
